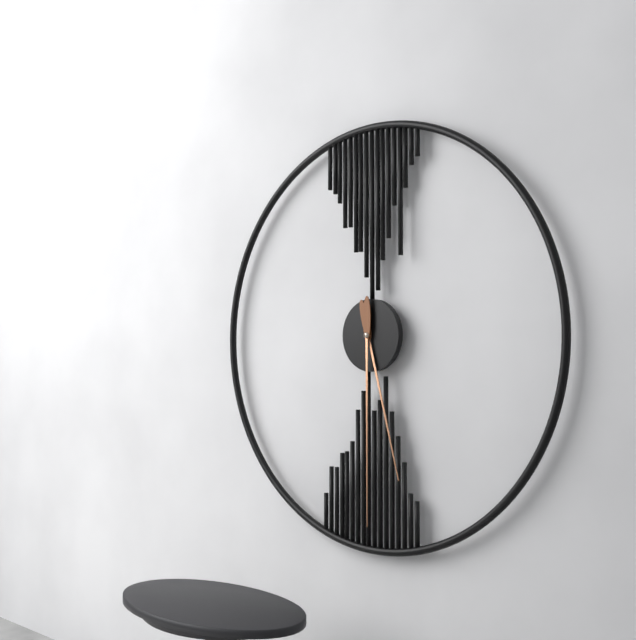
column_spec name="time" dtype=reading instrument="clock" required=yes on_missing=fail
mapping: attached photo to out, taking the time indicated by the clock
5:30
